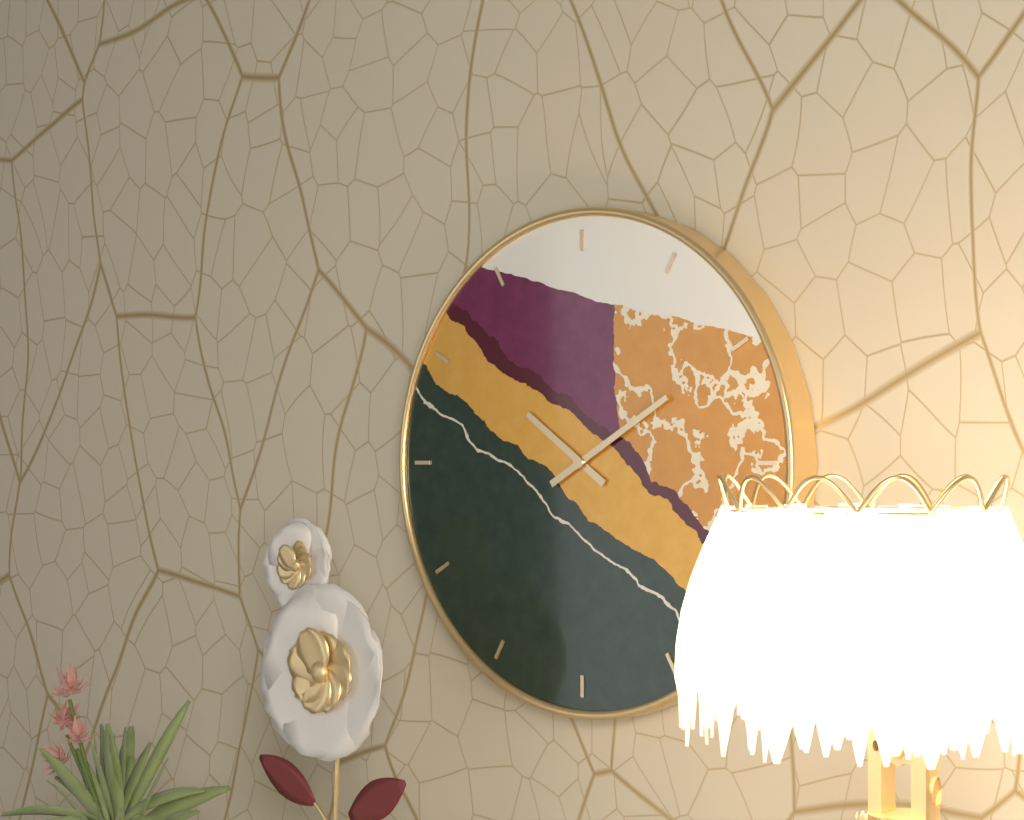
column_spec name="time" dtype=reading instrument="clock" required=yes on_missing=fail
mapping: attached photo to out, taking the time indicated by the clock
10:10
